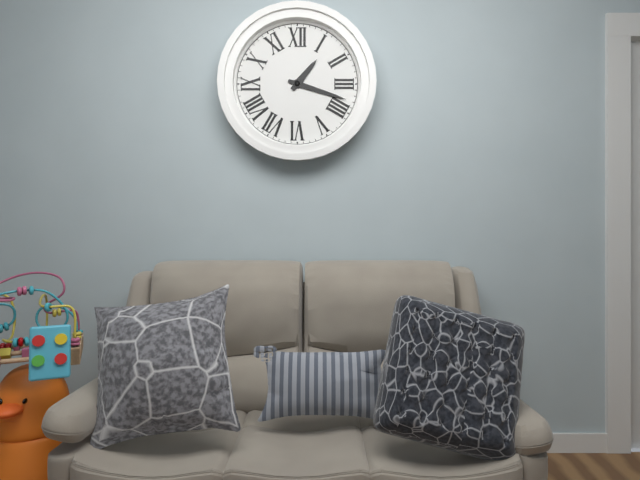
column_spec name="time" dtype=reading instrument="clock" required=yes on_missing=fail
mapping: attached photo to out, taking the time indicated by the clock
1:18
